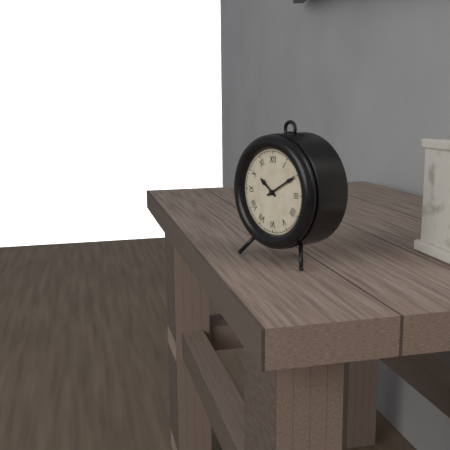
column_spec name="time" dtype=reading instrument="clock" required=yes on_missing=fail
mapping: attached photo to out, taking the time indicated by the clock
10:10
